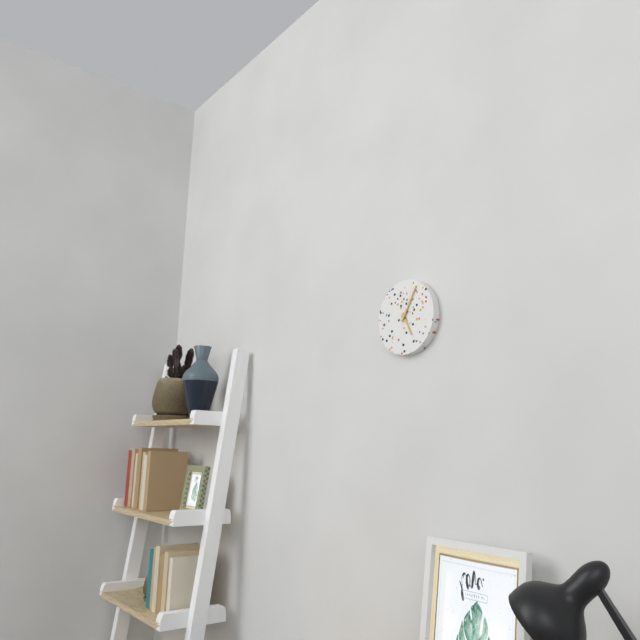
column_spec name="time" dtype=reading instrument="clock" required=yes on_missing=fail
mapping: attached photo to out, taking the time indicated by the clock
5:05
